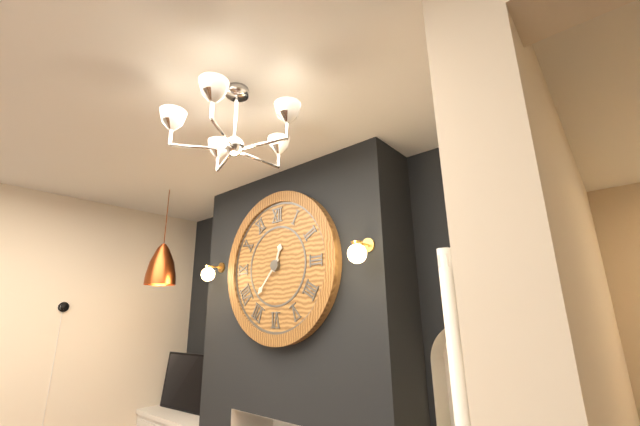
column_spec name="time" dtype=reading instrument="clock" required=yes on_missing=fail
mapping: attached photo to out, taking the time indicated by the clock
12:37
